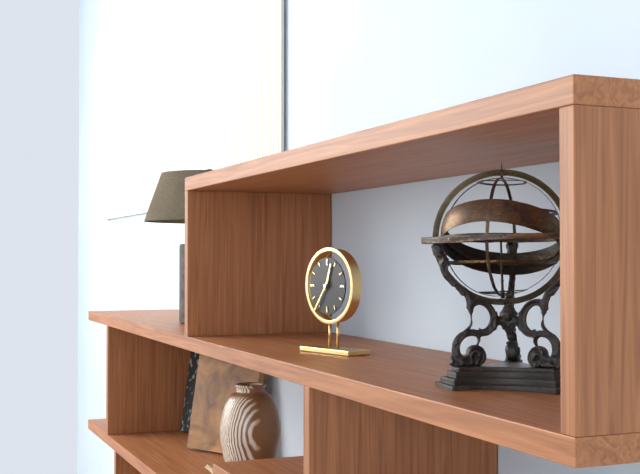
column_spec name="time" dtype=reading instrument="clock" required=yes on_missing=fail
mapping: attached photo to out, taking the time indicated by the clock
12:36
